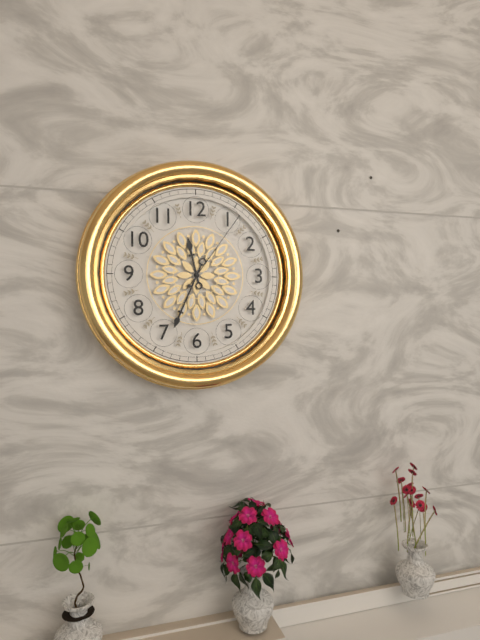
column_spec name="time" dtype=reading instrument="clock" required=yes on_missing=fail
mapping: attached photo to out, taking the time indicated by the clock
11:34:06
